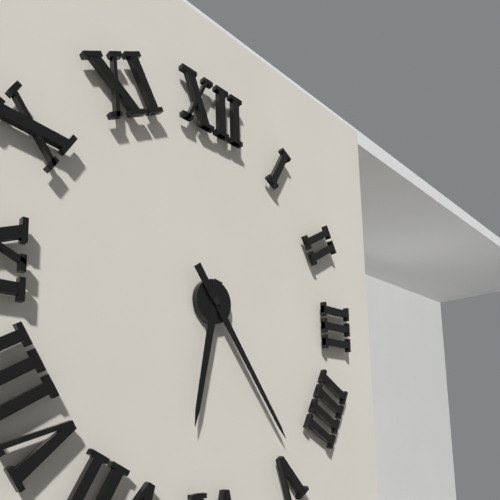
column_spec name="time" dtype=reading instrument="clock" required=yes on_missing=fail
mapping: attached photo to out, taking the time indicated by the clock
6:24
